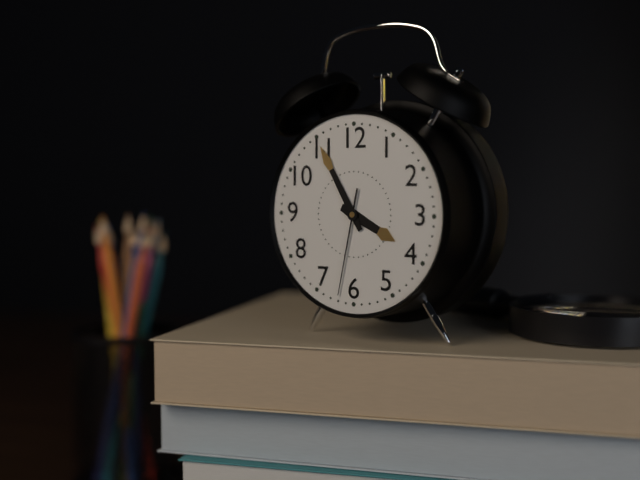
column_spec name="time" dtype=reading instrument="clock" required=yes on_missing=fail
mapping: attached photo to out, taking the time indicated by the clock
3:55:32
